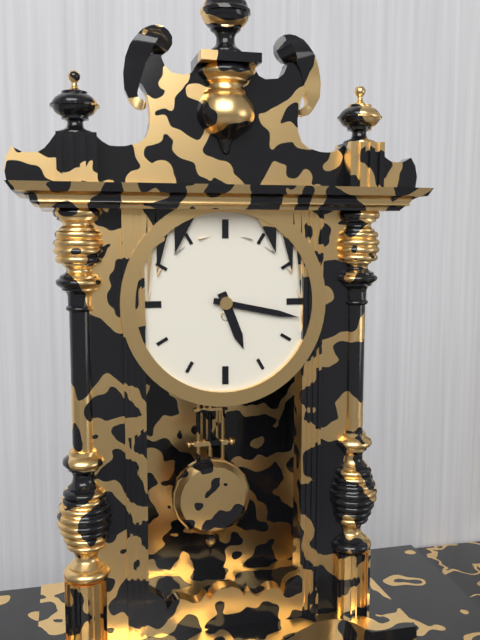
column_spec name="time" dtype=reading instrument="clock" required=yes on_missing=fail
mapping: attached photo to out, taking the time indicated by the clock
5:17
